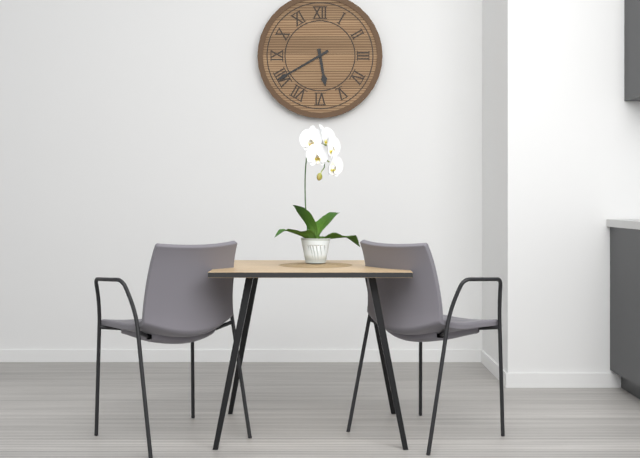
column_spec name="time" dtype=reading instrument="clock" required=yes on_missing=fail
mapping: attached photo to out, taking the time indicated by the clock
5:40
